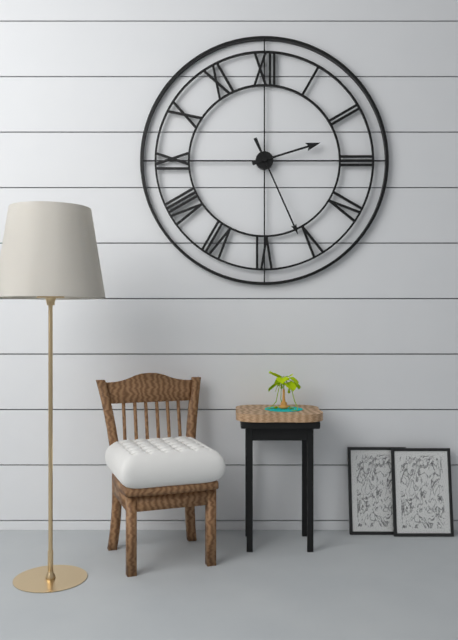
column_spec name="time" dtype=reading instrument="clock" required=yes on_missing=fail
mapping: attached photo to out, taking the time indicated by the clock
2:26
